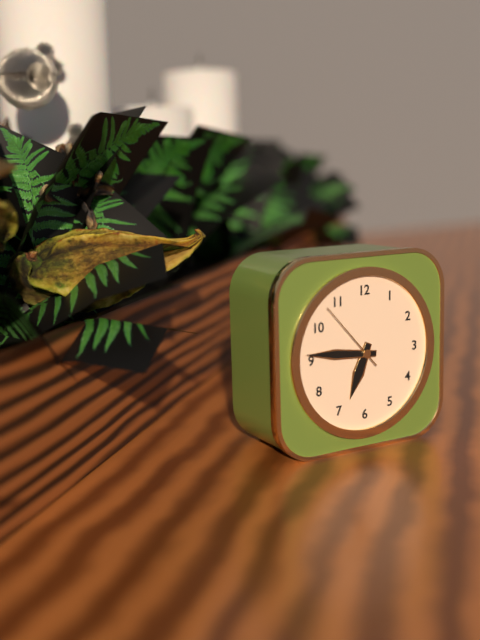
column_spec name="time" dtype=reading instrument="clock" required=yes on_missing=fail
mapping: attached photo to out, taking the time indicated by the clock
6:46:53
